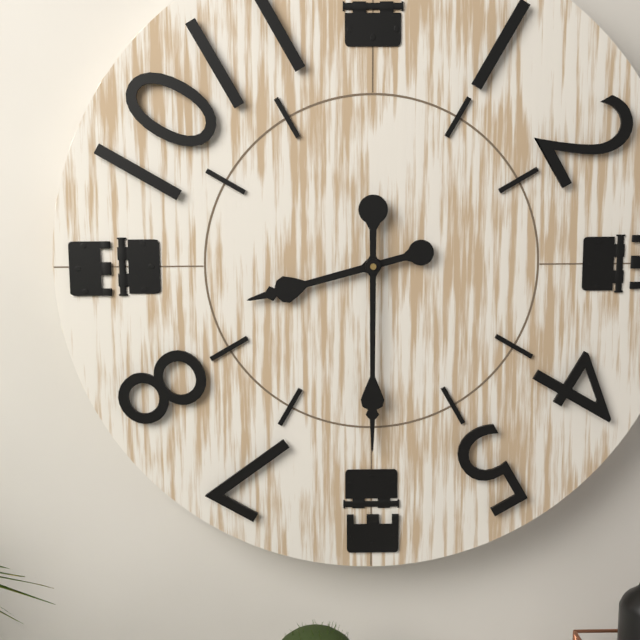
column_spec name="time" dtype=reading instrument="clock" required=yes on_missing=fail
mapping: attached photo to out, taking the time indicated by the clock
8:30
